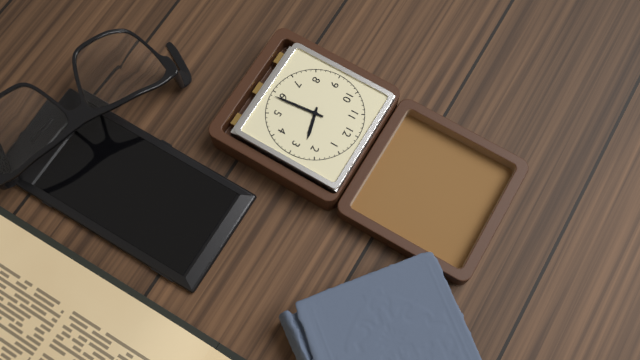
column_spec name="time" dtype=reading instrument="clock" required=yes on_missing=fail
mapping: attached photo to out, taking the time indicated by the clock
2:29
